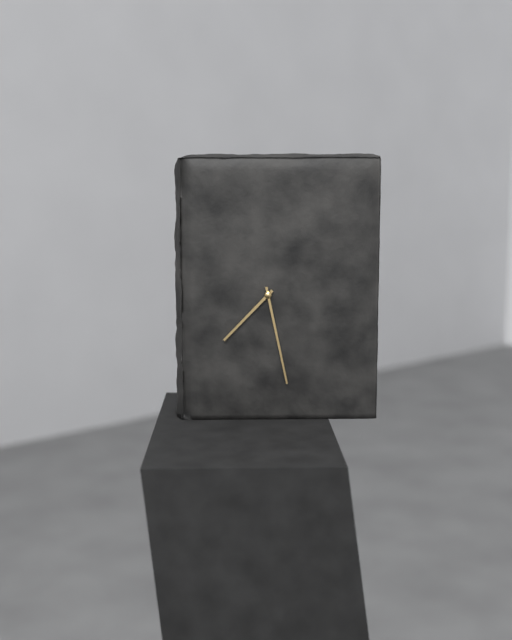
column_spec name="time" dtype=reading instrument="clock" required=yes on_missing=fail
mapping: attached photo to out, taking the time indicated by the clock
7:28
